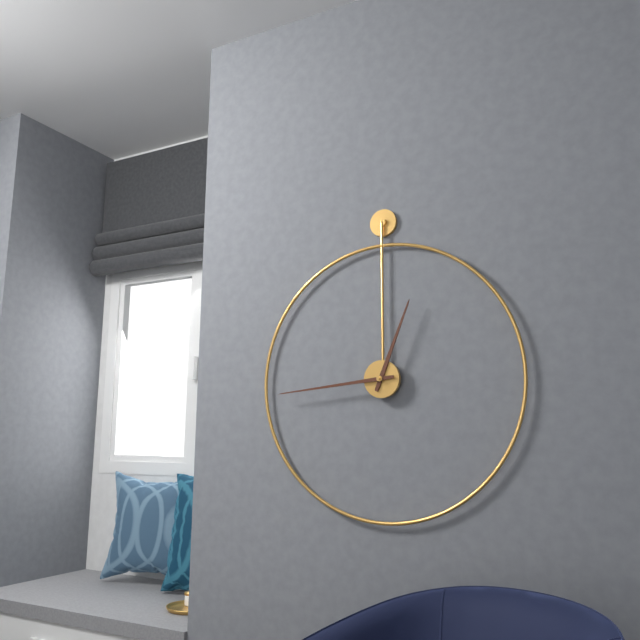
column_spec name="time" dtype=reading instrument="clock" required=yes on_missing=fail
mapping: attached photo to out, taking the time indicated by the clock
12:44
